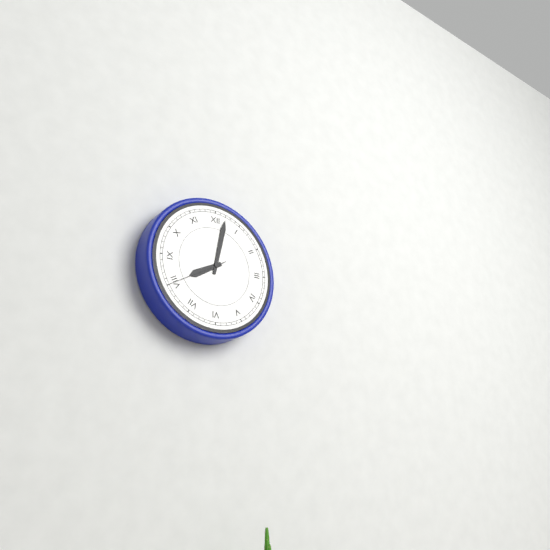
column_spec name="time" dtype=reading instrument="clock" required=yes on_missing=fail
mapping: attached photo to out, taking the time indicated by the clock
8:02:40
